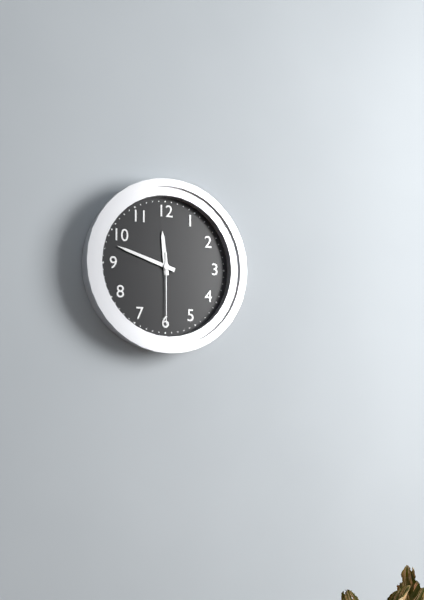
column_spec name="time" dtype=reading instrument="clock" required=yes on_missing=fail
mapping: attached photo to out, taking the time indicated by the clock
11:48:30
